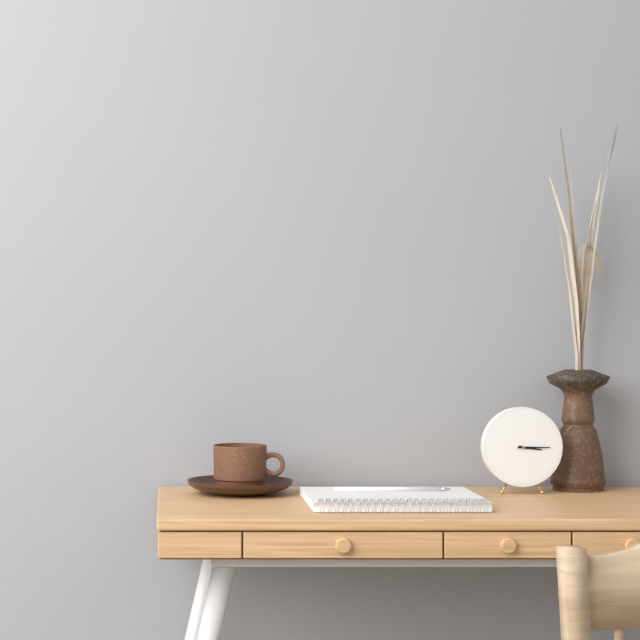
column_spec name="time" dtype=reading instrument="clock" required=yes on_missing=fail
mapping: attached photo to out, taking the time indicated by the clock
3:15
